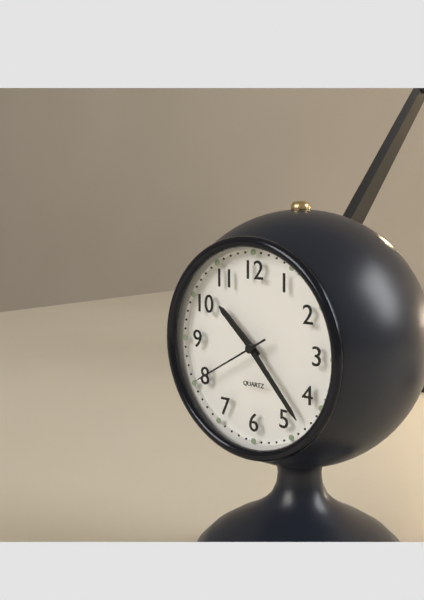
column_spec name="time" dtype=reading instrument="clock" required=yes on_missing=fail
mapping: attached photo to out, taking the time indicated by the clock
10:23:40
